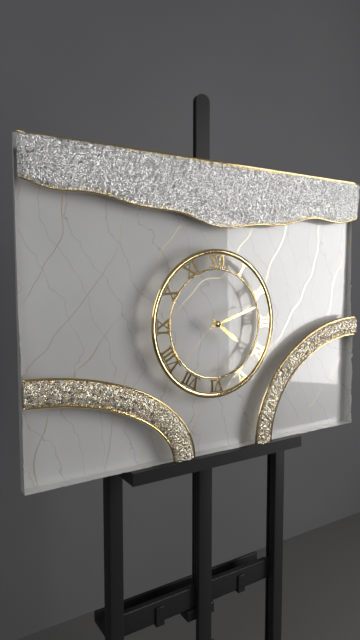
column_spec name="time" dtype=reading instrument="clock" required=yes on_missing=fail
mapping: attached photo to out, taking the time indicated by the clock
4:12
